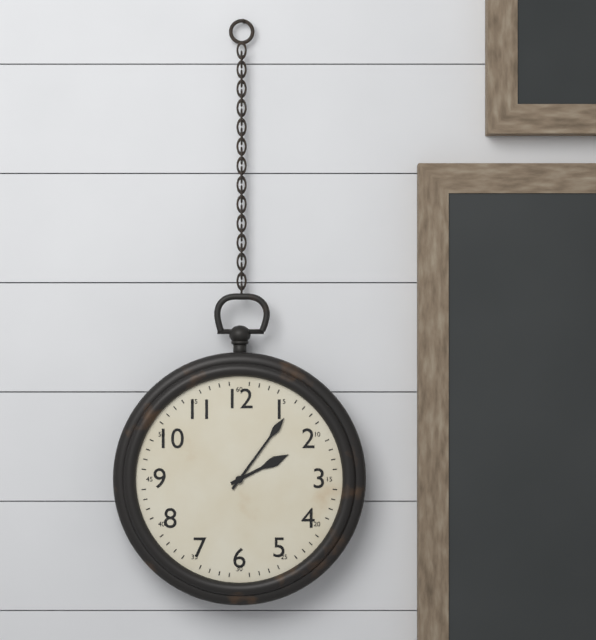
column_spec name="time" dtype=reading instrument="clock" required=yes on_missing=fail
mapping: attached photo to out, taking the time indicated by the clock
2:06
